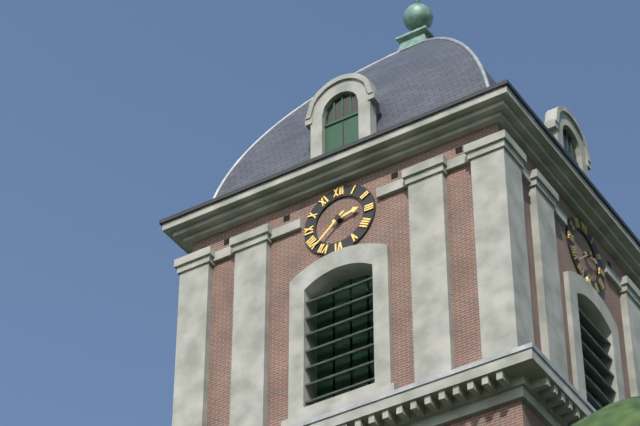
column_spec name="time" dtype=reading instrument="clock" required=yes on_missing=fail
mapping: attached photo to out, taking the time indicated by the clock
2:38
